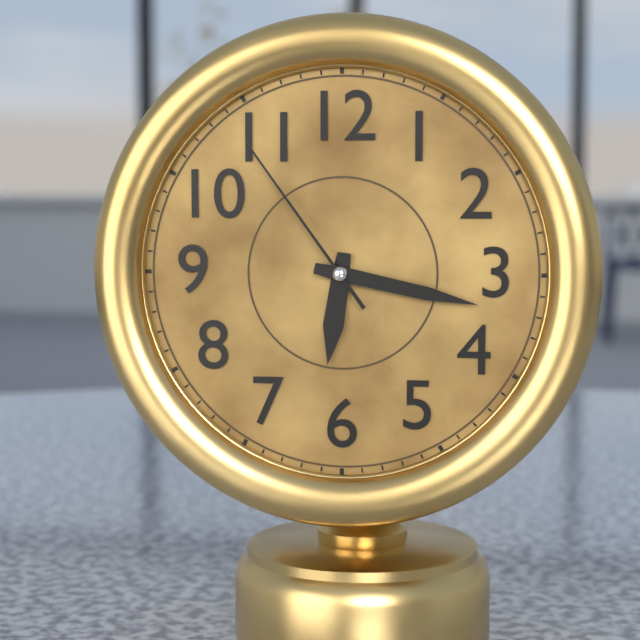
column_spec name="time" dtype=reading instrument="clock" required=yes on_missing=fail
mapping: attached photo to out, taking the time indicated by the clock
6:17:54
